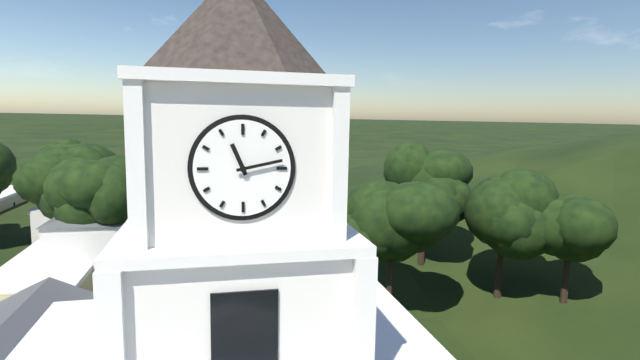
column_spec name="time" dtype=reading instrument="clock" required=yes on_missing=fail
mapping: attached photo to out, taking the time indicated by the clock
11:13
